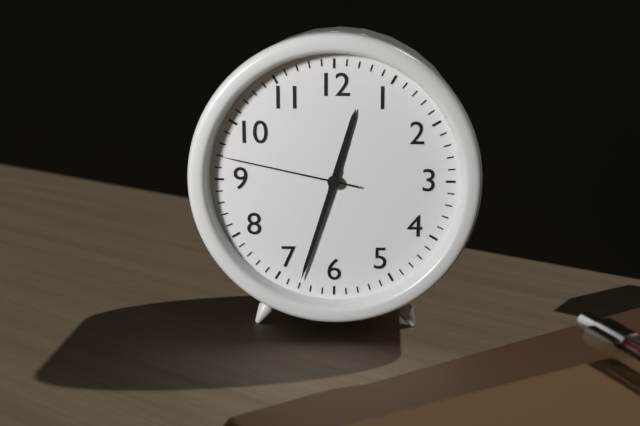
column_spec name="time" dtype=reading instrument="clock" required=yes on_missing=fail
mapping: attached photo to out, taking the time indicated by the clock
12:33:47
